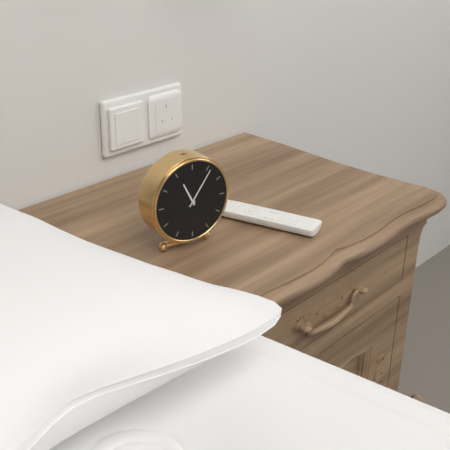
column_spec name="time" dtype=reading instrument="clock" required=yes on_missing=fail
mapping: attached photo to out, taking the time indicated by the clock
11:06
